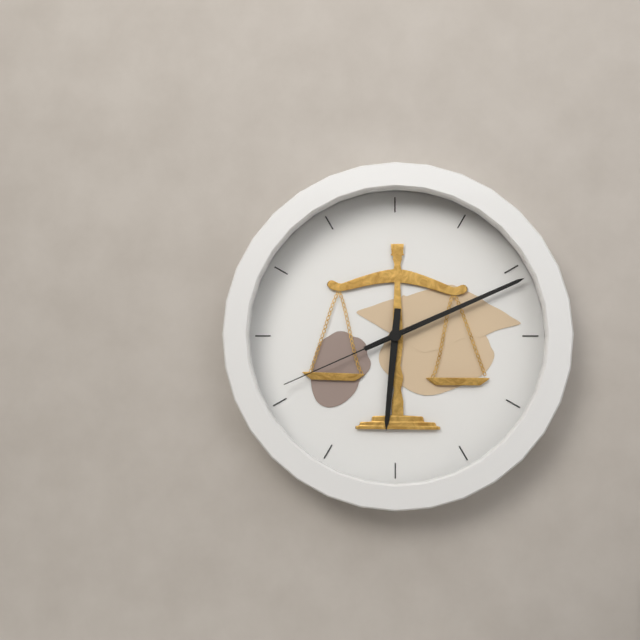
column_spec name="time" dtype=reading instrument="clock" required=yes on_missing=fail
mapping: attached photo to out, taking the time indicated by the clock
6:11:41
